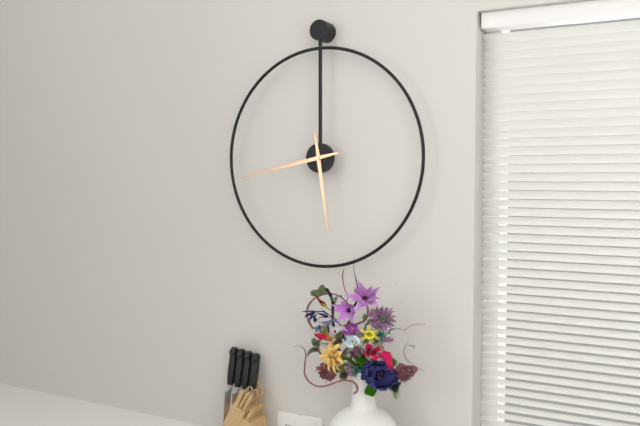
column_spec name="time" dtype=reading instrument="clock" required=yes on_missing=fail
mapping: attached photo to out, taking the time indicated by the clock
5:43
